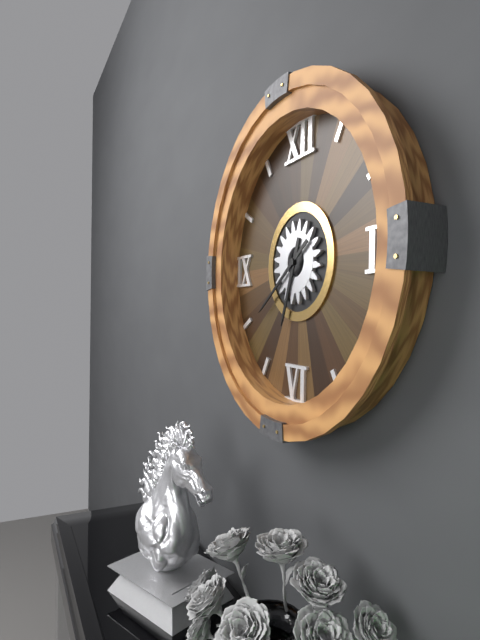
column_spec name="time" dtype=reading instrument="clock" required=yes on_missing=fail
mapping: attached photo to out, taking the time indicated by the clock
6:39
